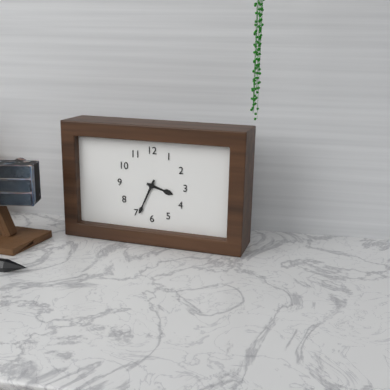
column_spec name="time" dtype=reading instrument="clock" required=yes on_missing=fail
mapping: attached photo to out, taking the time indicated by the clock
3:34
